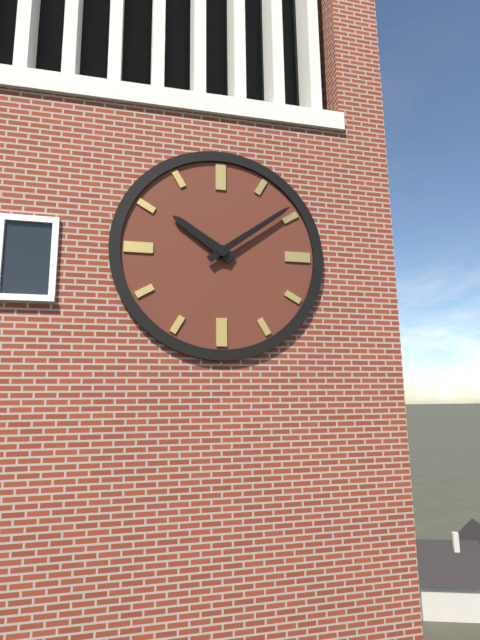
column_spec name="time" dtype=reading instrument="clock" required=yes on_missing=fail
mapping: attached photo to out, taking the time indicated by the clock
10:09
